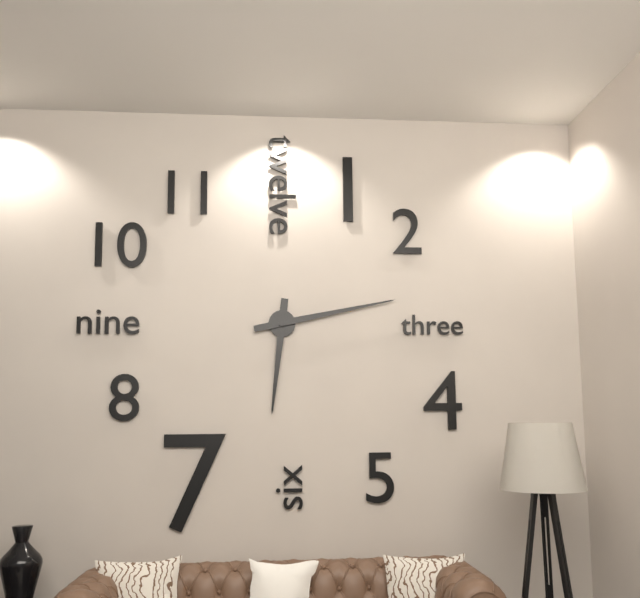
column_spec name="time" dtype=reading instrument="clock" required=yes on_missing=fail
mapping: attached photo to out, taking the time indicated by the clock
6:13
